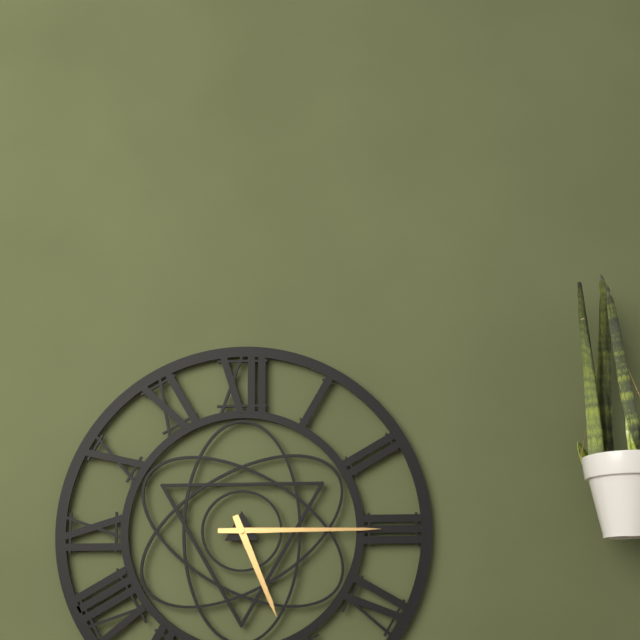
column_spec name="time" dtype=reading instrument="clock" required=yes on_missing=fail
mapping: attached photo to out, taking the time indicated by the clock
5:15
